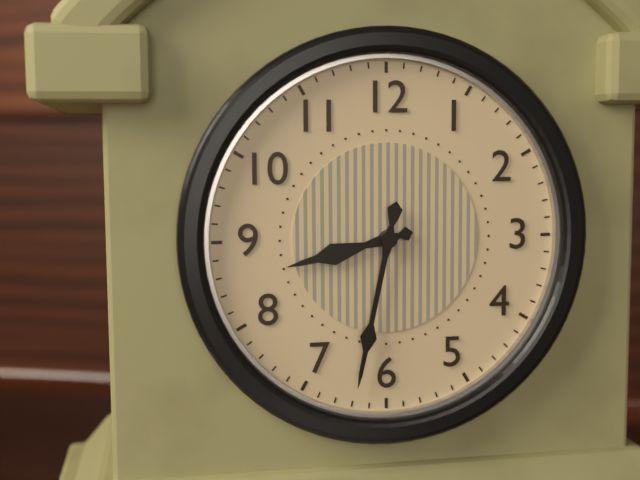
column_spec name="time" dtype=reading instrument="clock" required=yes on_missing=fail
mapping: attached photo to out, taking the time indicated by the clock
8:32
